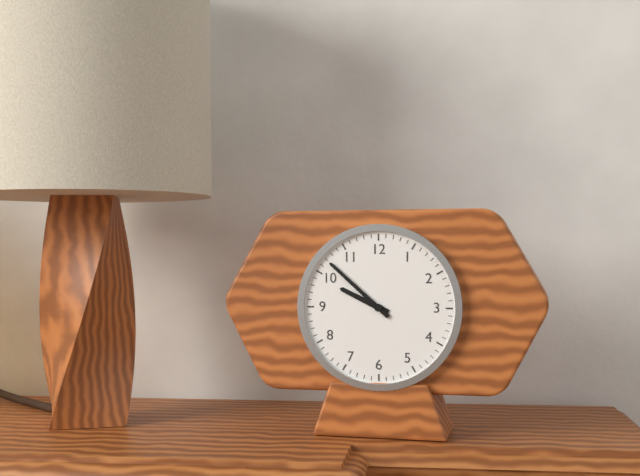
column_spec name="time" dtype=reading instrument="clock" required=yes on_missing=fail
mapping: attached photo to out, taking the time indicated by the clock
9:52
